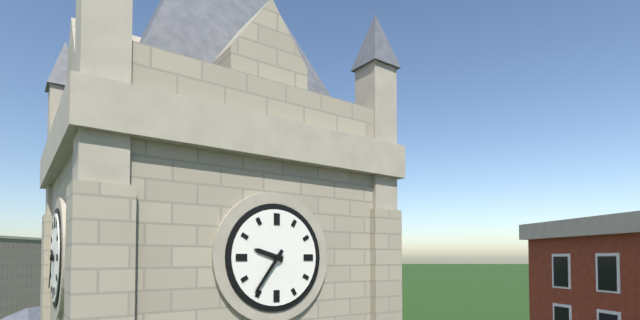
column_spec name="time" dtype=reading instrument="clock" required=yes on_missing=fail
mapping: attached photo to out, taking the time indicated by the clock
9:36
